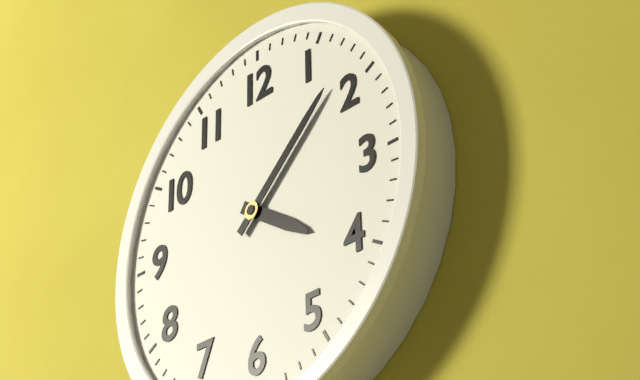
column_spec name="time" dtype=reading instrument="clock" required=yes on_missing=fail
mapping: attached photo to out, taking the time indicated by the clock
4:08
